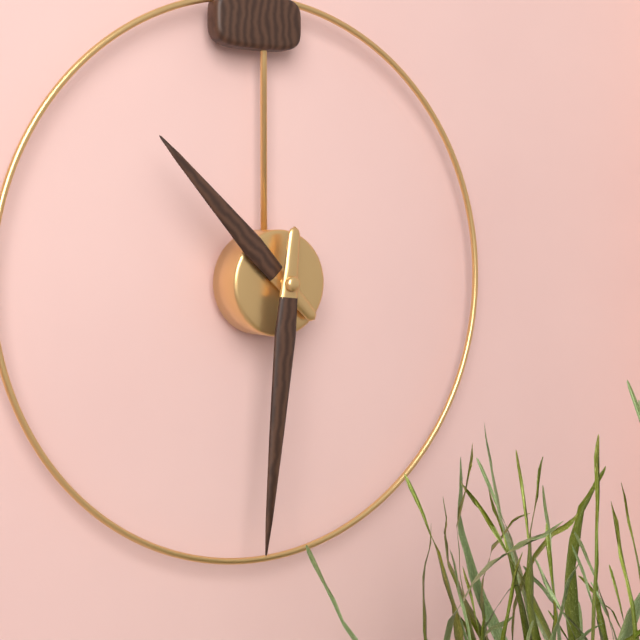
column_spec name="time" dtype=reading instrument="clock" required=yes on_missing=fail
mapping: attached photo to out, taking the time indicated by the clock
10:31
